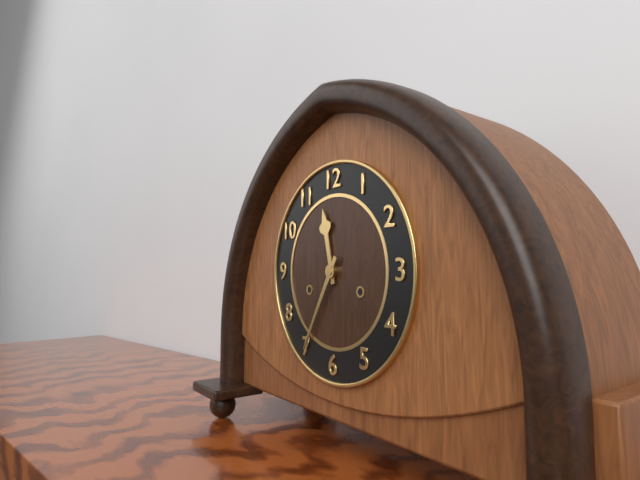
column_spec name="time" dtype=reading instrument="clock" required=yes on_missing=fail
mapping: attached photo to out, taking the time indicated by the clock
11:35
